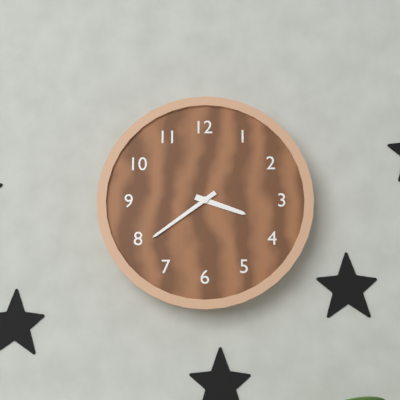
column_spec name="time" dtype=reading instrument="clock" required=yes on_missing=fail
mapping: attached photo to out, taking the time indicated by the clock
3:39
